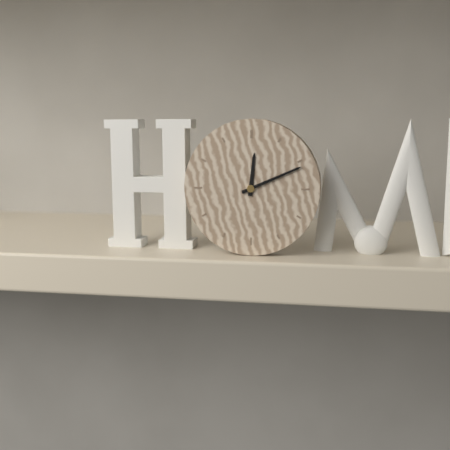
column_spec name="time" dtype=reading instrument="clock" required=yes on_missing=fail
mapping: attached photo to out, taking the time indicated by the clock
12:11
